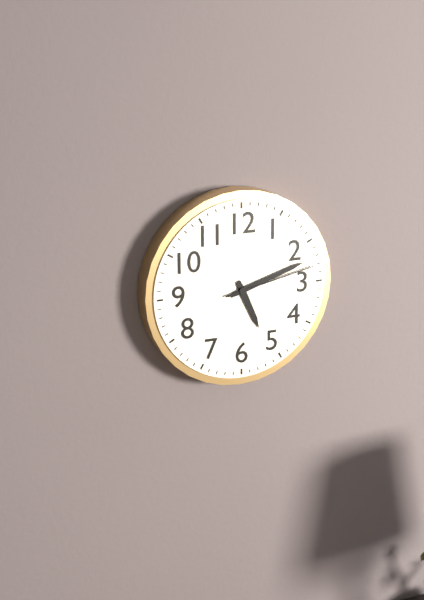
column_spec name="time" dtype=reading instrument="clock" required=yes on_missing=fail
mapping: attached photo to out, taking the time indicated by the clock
5:12:13
